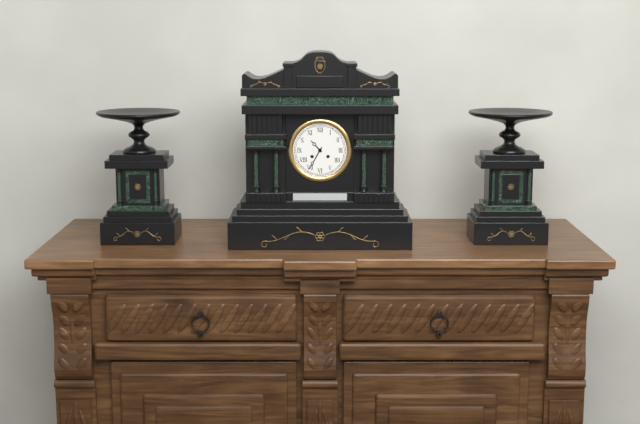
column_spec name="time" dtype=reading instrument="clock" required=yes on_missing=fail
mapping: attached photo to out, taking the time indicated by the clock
10:35
